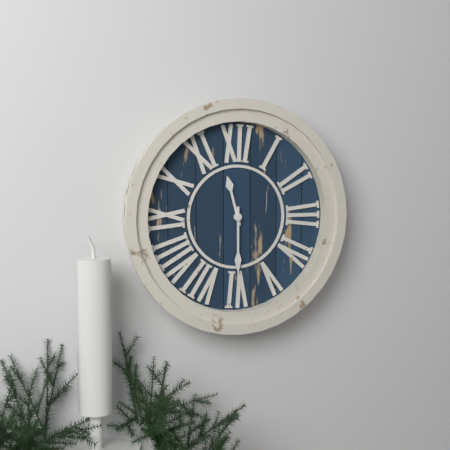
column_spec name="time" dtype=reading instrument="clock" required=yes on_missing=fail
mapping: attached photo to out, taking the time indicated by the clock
11:30
